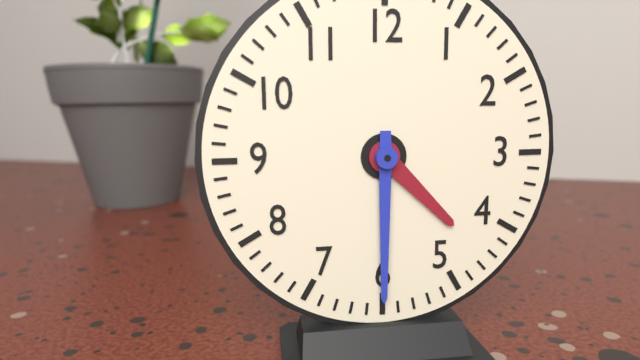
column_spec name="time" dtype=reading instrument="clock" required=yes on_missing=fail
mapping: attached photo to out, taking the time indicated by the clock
4:30
